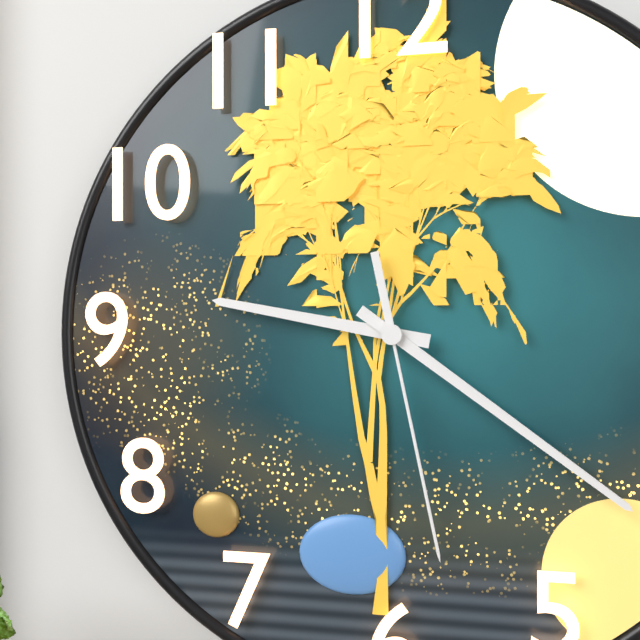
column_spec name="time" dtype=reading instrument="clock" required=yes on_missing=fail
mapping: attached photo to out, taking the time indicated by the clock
9:21:28
